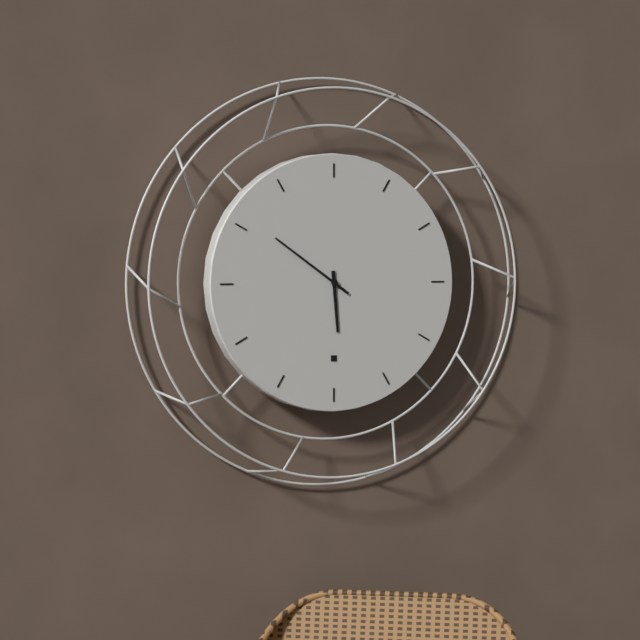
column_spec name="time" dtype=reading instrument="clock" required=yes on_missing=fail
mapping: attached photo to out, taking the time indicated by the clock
5:51
